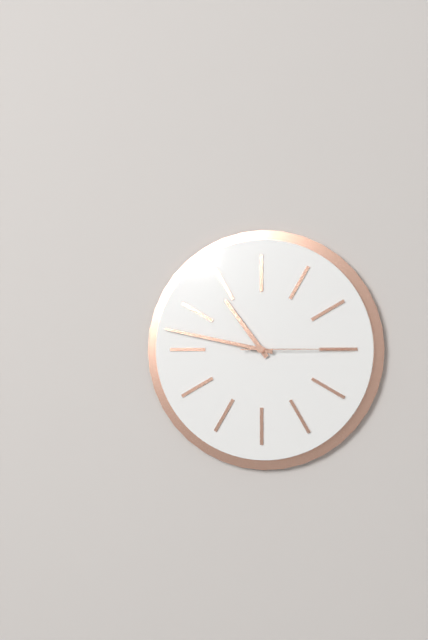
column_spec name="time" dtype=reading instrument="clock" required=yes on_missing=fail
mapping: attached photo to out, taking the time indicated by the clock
10:47:15
